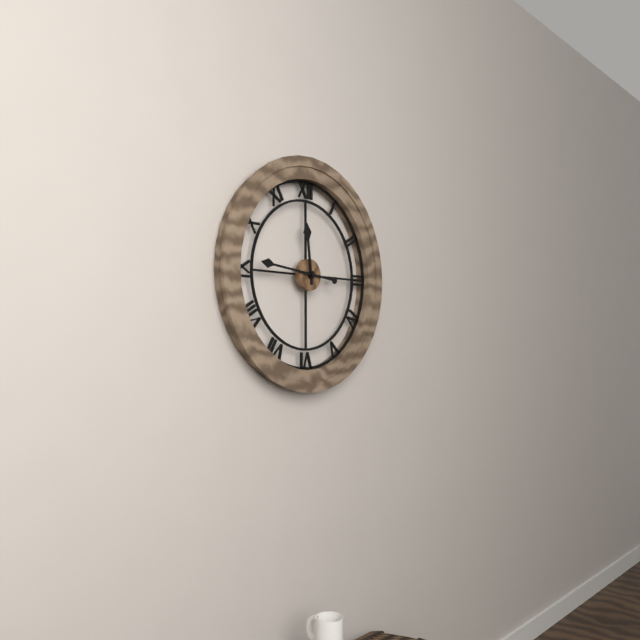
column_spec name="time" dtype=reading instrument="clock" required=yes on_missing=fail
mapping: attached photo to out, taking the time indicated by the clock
11:46
